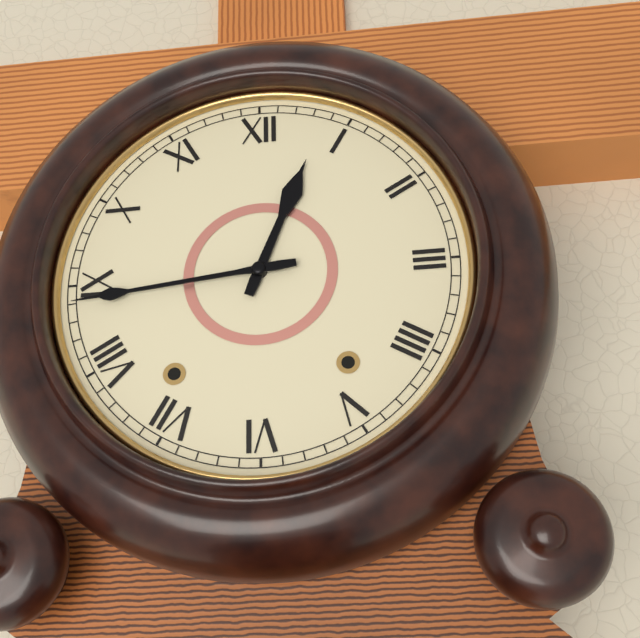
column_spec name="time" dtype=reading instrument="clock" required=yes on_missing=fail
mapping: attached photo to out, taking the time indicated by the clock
12:44
